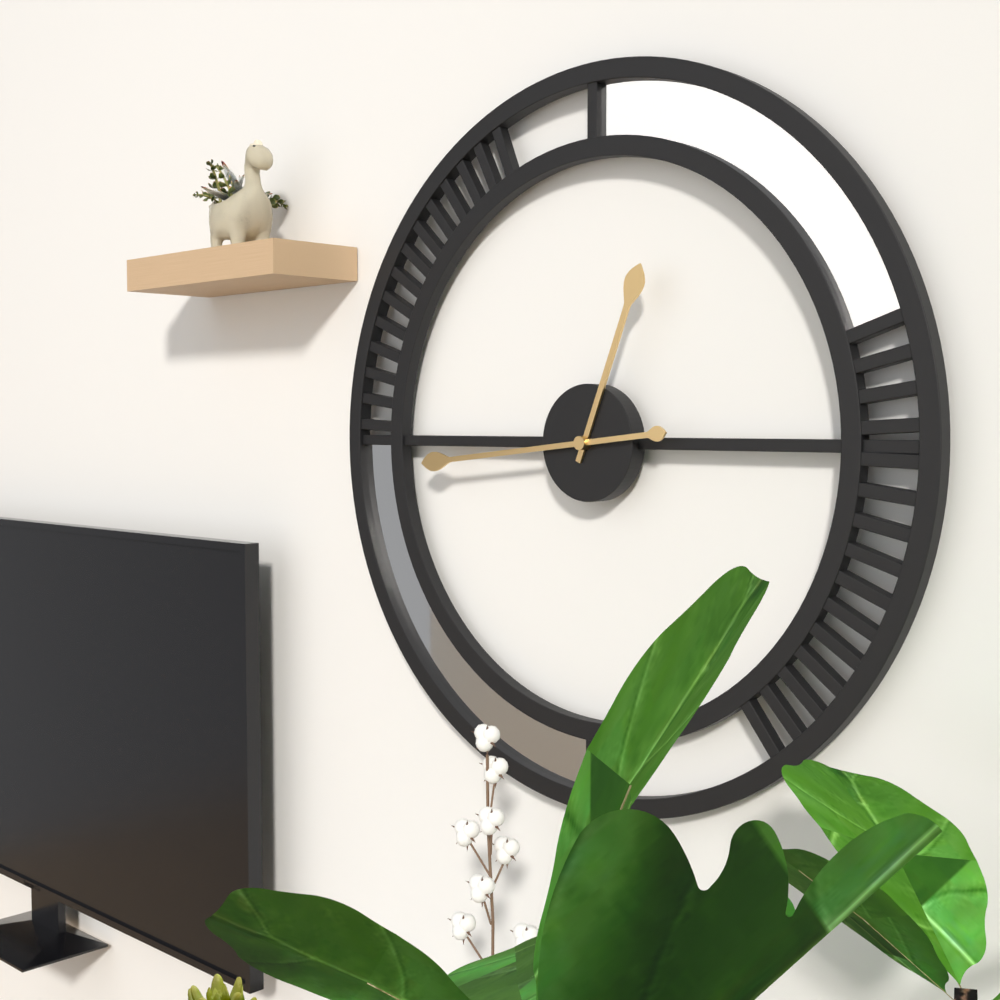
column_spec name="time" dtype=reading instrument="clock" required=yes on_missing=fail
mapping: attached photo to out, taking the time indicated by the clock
12:44
